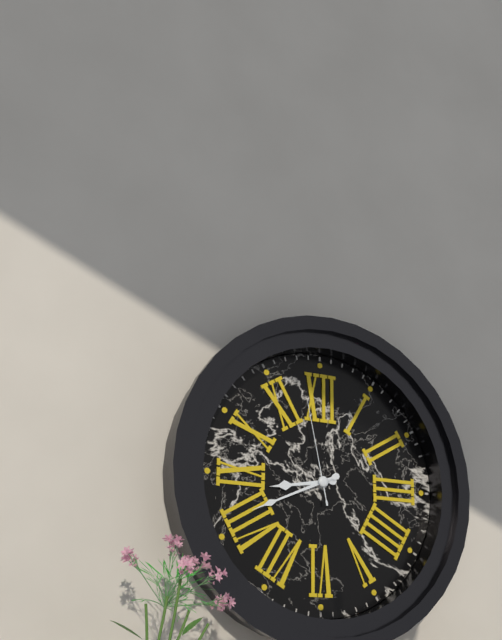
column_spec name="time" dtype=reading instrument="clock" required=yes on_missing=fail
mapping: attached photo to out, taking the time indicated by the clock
8:41:58
